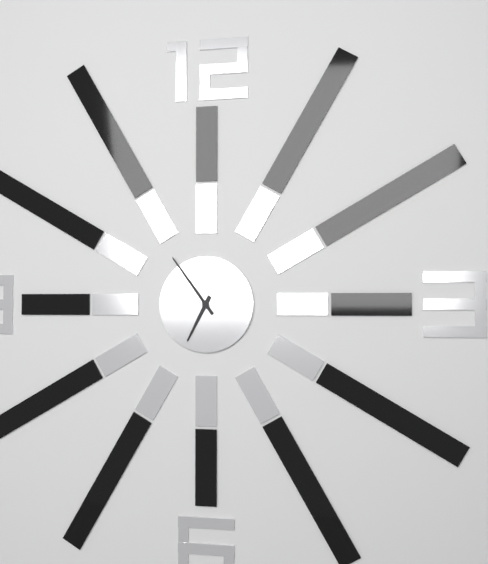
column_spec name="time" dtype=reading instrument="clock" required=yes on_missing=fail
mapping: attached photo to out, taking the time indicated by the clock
6:54
